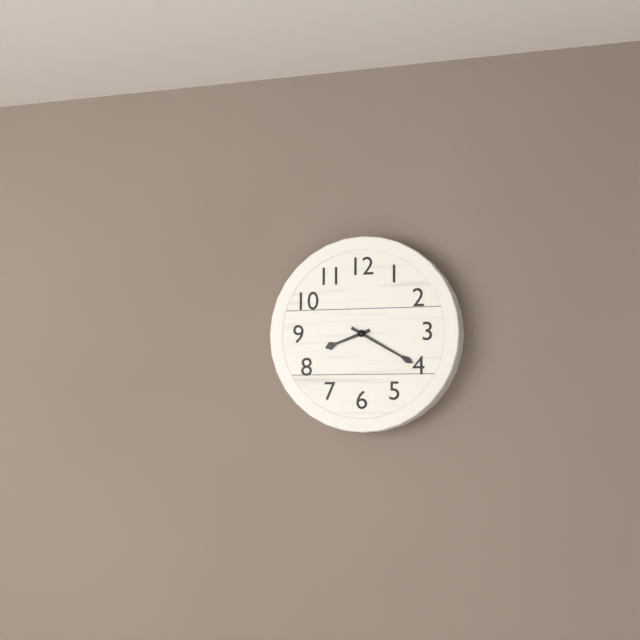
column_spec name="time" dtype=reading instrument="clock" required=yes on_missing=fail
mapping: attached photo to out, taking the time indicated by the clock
8:20
